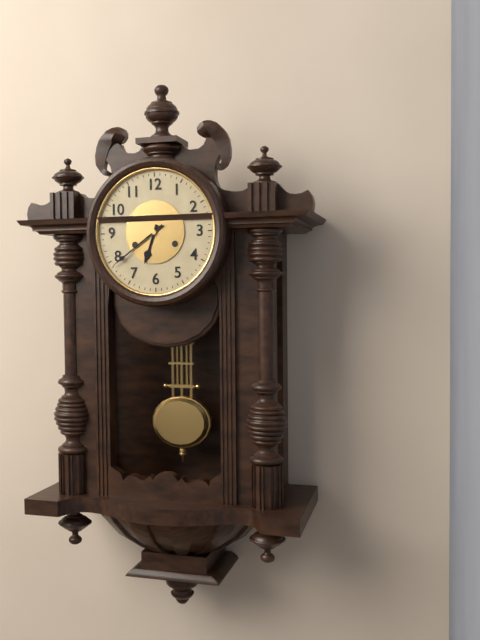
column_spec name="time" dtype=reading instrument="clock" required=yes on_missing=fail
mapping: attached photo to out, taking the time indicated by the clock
6:39
